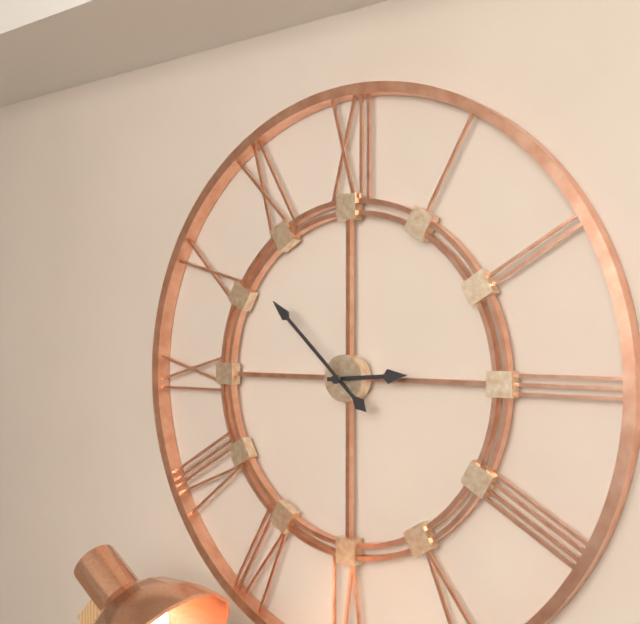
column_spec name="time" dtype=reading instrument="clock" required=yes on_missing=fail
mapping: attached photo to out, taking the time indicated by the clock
2:52
